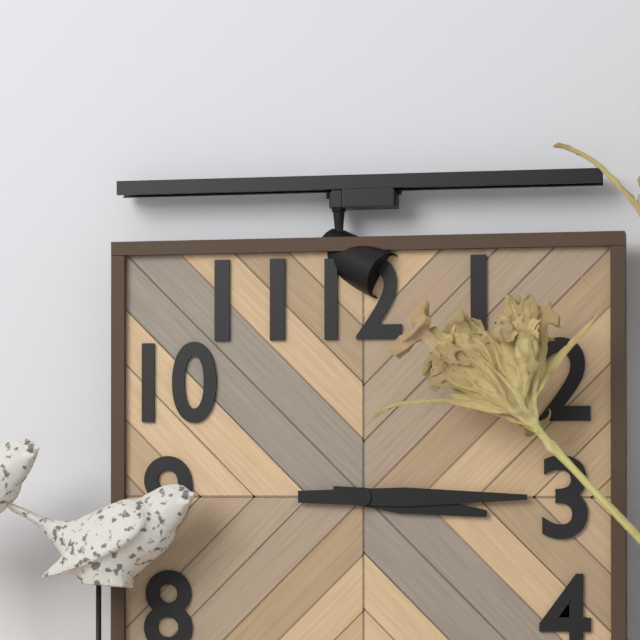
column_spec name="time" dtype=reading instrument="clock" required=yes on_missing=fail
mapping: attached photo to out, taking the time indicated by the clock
3:15
